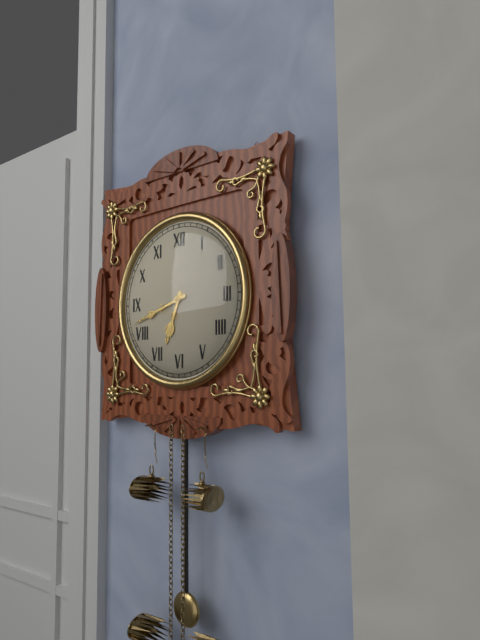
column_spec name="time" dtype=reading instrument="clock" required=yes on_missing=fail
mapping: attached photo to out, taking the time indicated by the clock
6:42
